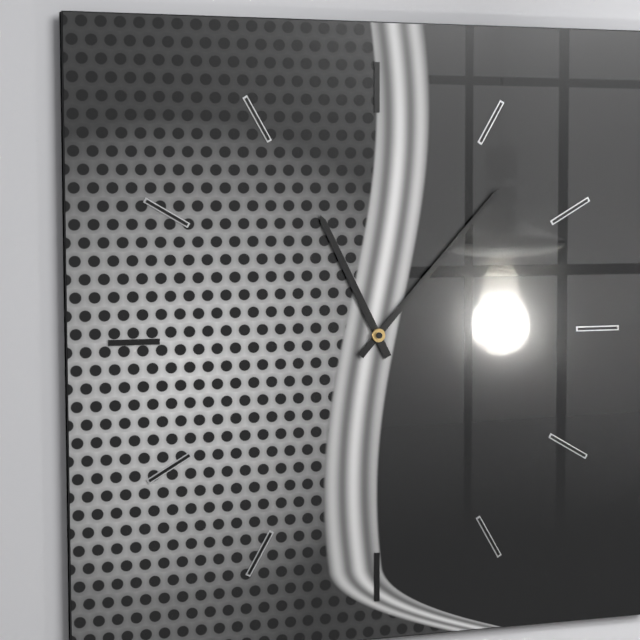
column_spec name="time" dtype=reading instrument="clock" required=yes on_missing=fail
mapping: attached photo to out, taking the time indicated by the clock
11:07
